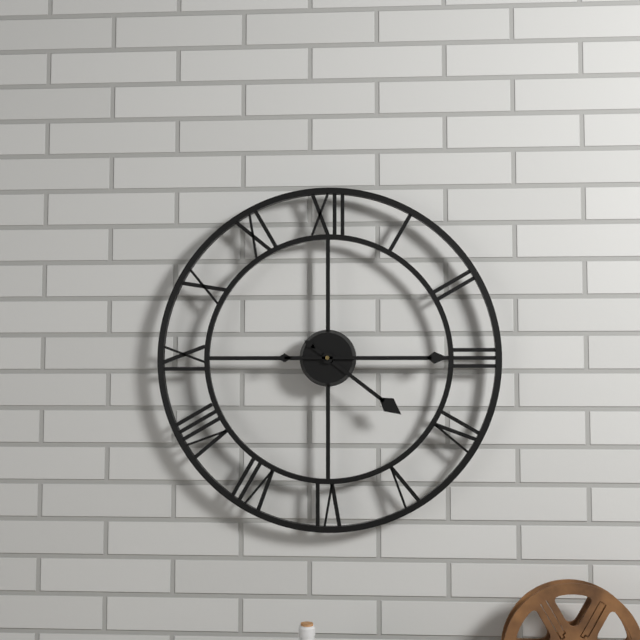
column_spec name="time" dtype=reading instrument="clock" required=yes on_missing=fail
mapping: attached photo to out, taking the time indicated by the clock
4:15
